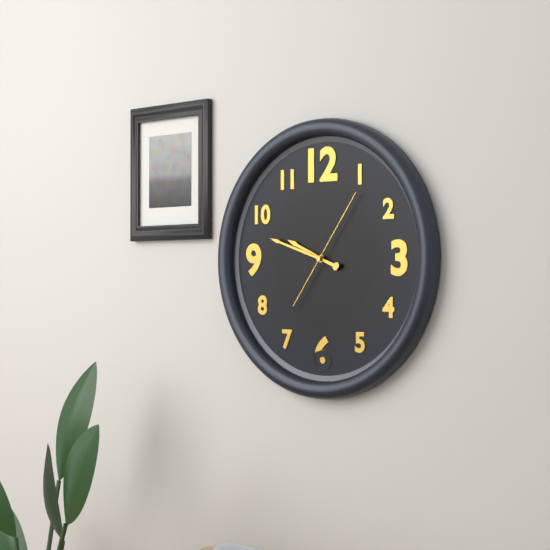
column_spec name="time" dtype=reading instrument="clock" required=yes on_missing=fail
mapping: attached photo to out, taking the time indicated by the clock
9:48:06
